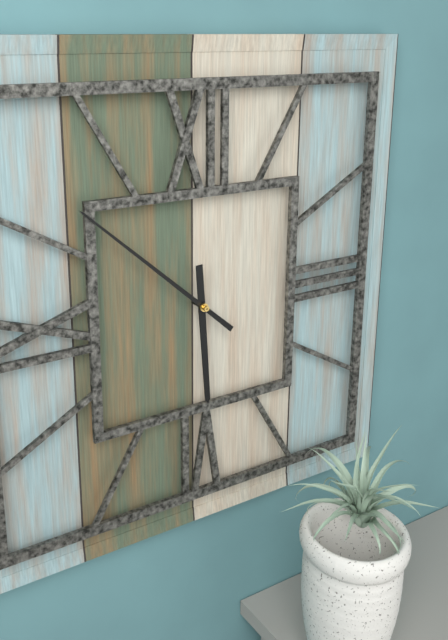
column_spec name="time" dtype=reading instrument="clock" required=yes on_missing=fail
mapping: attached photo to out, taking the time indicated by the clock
5:52
